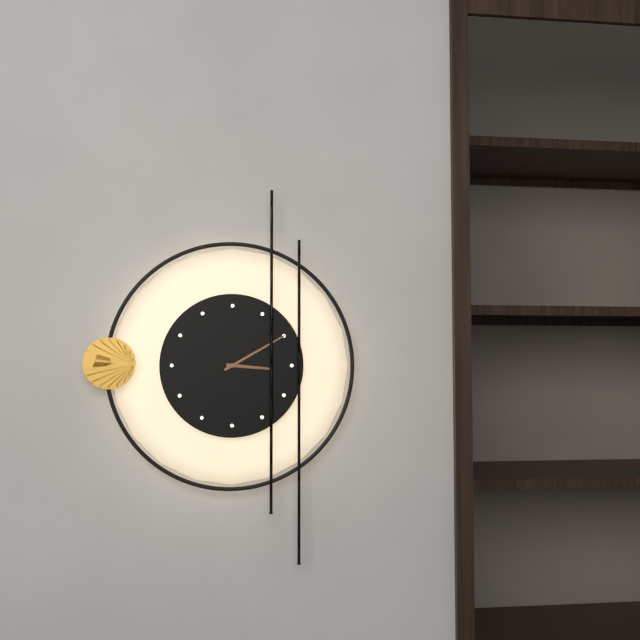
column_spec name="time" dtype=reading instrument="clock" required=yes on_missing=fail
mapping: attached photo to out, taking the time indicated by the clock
3:10
